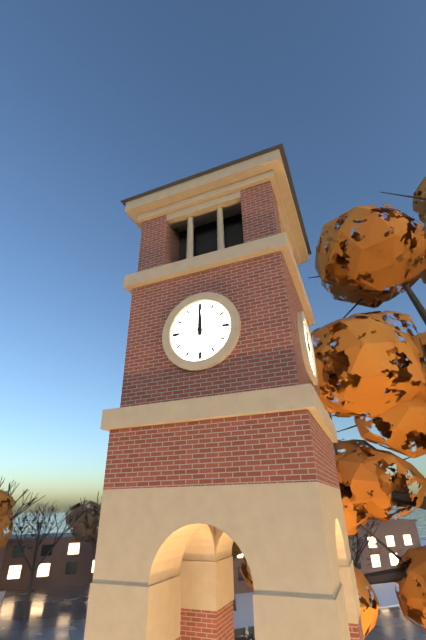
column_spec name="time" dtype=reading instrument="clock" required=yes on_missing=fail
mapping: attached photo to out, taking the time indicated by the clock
12:00
